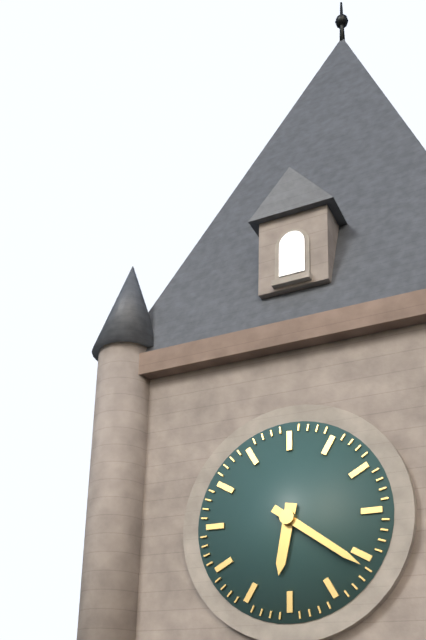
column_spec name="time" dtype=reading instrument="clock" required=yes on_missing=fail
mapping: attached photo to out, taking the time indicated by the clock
6:21
